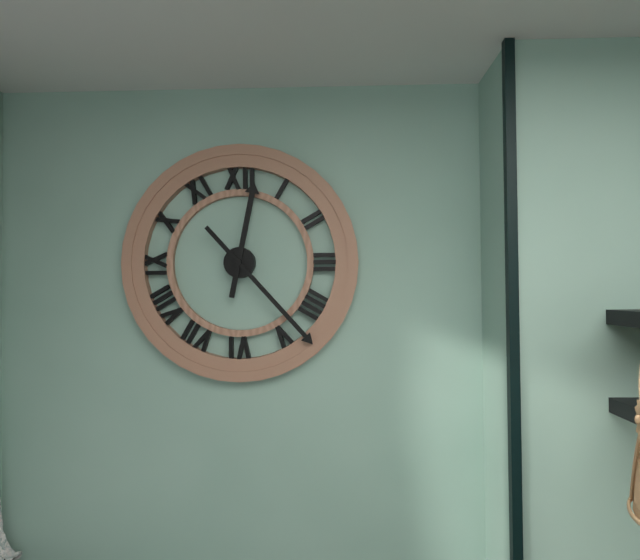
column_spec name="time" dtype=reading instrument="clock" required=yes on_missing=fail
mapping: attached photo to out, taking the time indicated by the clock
12:23
